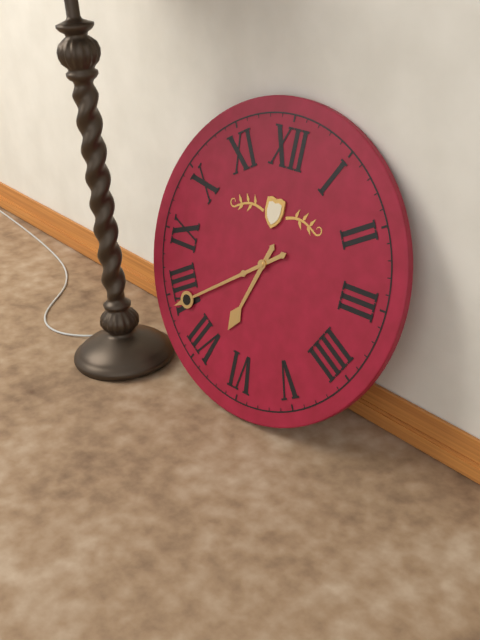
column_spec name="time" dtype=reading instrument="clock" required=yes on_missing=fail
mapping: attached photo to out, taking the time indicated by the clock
6:39
